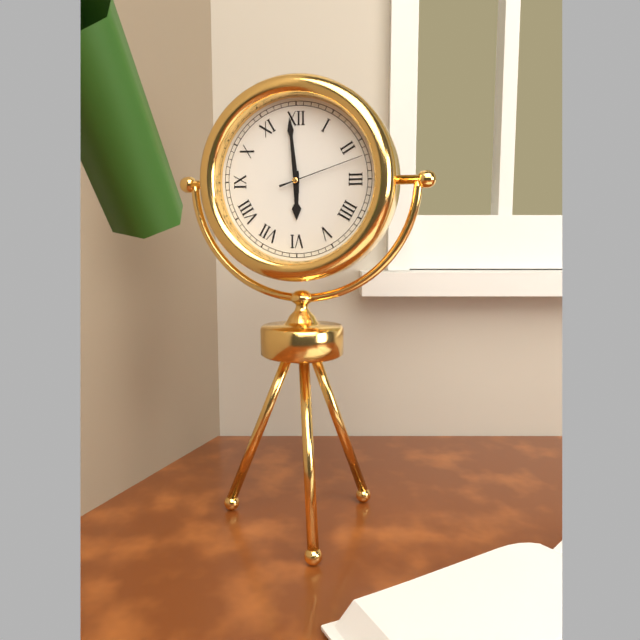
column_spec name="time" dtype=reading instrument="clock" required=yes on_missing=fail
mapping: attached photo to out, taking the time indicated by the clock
5:59:12
